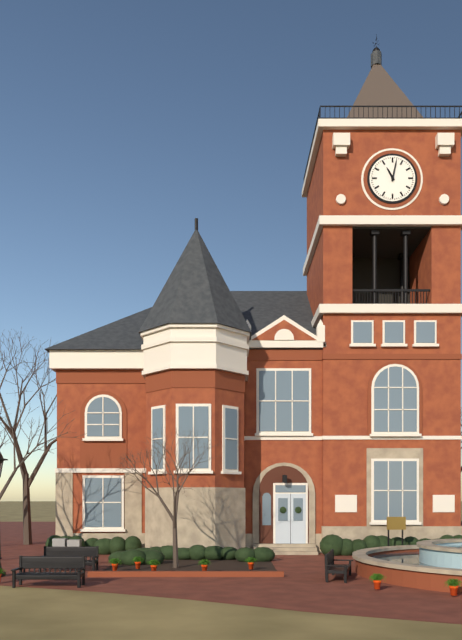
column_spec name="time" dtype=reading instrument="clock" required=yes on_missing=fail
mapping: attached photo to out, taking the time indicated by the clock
11:02
